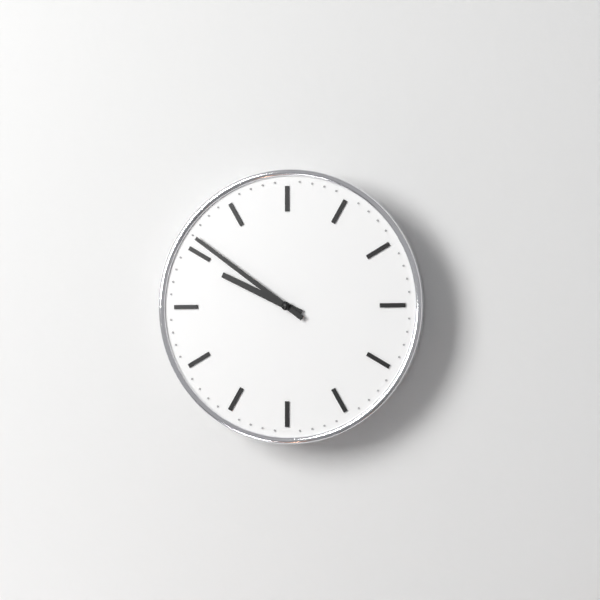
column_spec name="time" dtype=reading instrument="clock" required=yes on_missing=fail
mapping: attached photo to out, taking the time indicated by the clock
9:51
